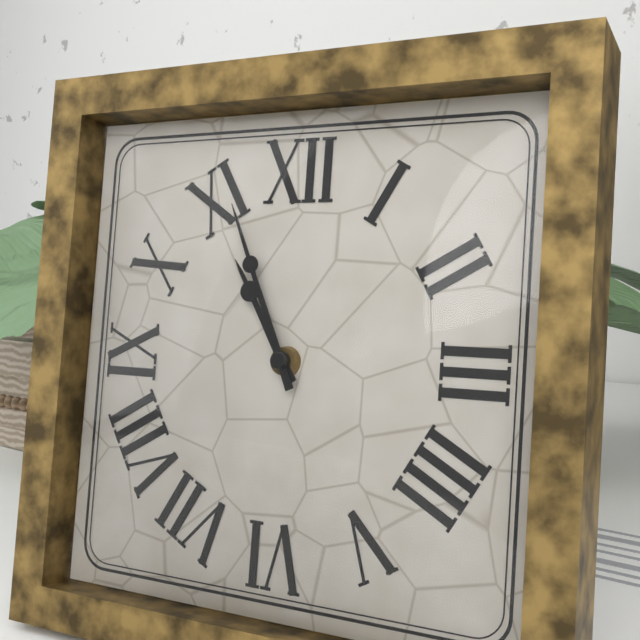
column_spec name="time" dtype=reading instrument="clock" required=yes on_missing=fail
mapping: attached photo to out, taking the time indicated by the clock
10:56
